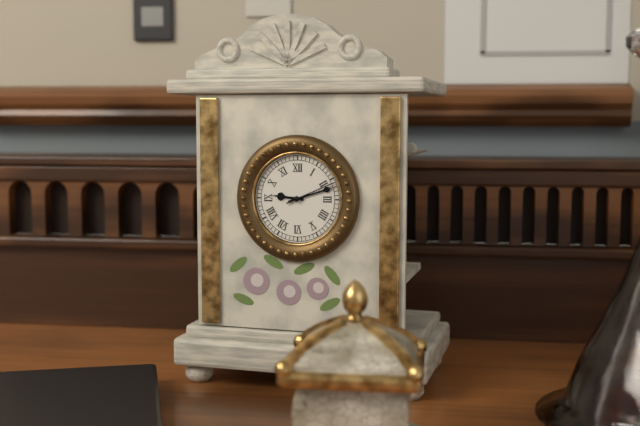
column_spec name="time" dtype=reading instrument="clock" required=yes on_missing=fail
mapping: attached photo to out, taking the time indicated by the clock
9:12:11
